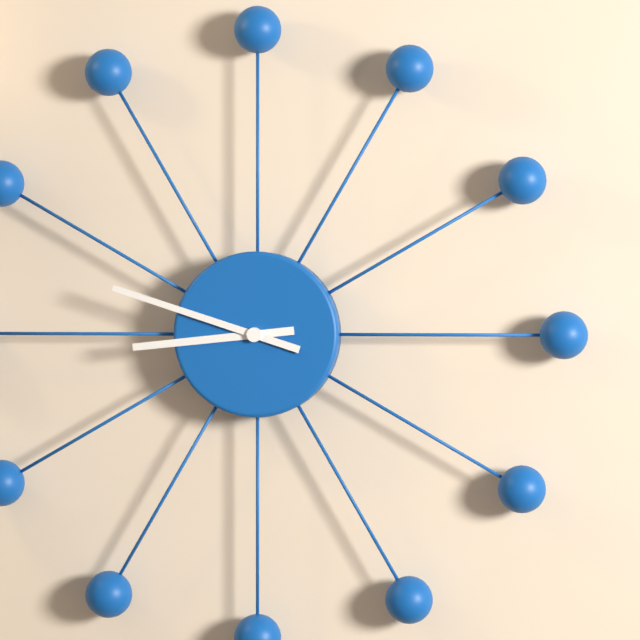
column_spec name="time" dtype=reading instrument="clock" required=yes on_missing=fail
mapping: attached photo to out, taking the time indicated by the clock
8:48
